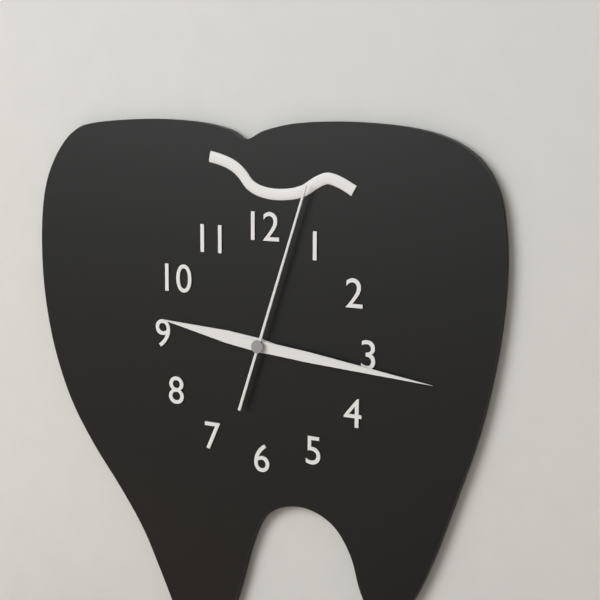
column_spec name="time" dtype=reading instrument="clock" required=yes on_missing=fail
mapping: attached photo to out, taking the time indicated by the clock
9:16:03
